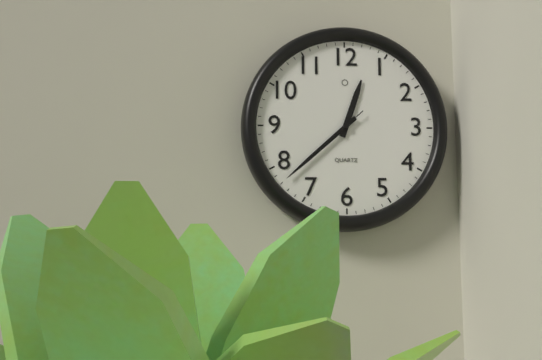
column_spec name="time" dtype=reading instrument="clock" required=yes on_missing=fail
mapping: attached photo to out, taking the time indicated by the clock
12:38:38
